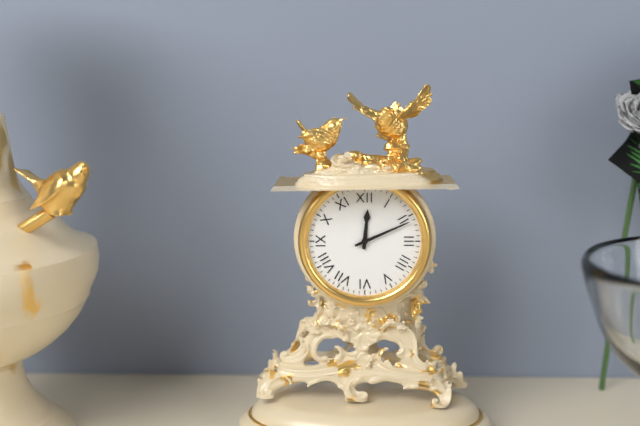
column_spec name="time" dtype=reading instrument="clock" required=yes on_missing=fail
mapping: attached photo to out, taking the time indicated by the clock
12:11
